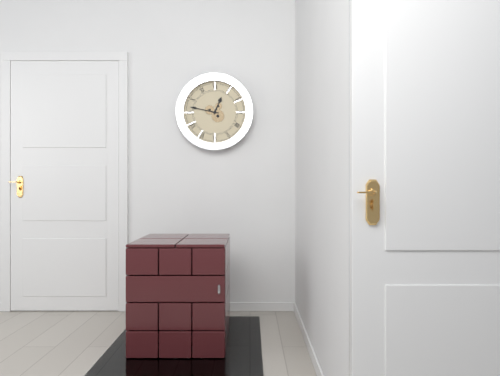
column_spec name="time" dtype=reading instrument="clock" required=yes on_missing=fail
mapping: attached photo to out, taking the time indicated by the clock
12:47
